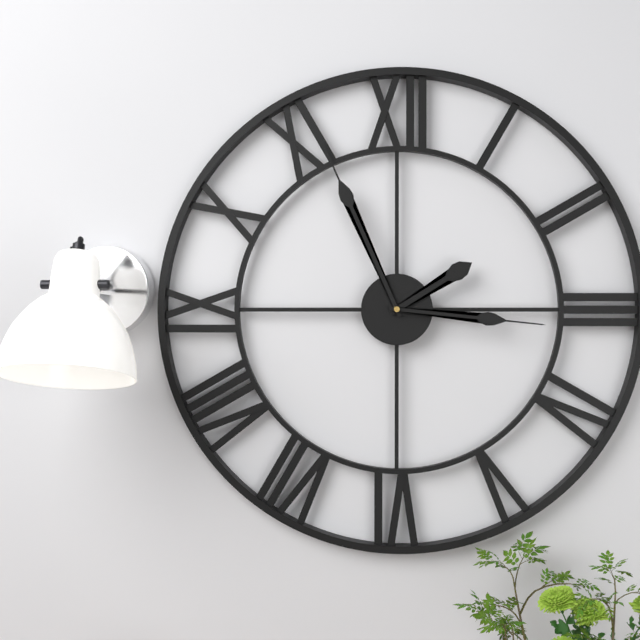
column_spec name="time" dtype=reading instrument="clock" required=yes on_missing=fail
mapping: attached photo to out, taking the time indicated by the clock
1:56:16
